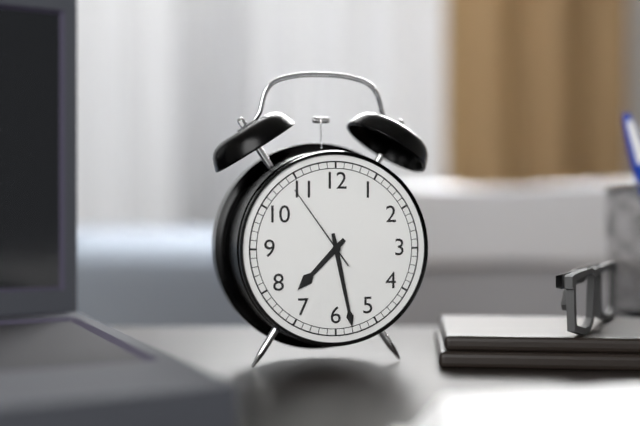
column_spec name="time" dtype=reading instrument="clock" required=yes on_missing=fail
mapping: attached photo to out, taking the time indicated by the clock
7:28:54
